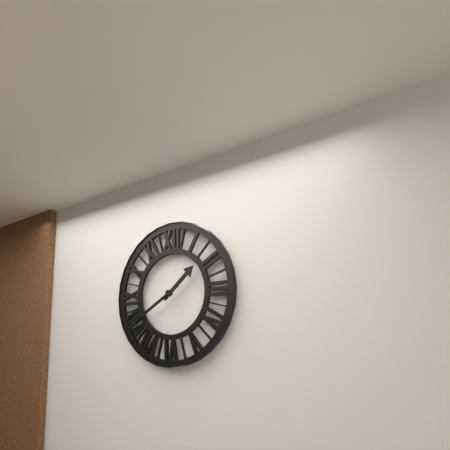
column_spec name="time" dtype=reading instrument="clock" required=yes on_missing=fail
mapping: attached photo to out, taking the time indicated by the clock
1:40
